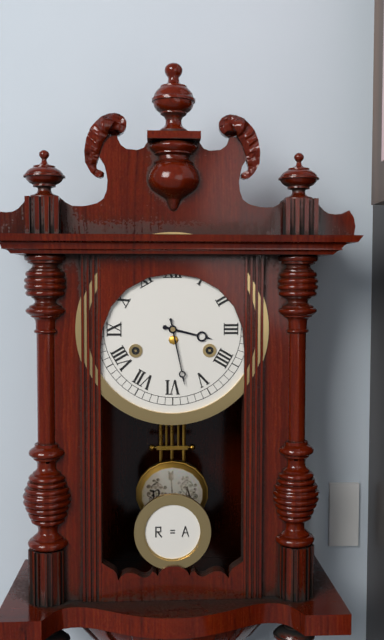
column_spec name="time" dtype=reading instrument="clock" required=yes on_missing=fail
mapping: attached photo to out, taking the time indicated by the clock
3:28
